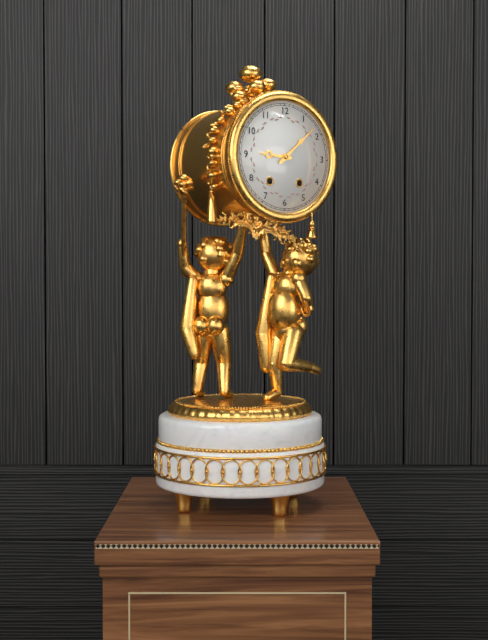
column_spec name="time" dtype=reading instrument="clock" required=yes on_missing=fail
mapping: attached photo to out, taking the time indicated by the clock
9:08
